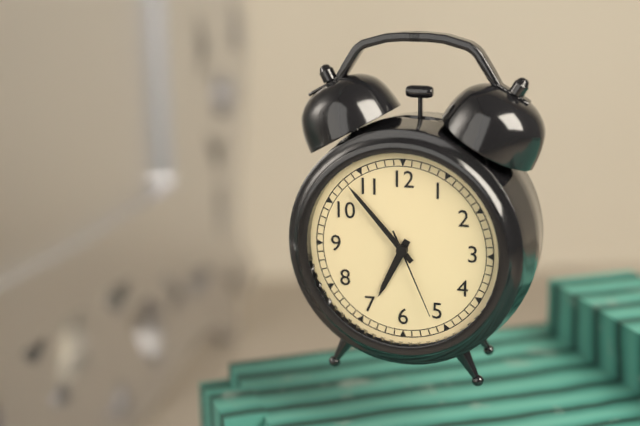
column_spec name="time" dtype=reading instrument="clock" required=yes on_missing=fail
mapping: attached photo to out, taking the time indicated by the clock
6:53:26
